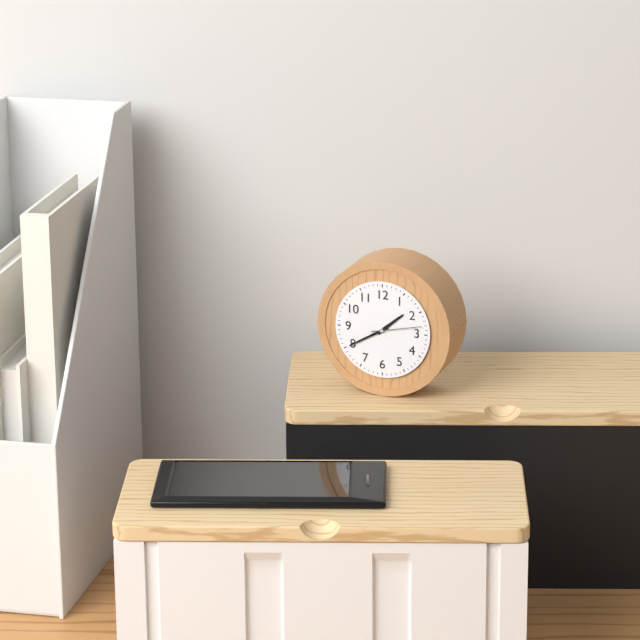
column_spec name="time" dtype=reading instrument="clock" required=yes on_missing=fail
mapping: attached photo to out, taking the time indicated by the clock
1:40
